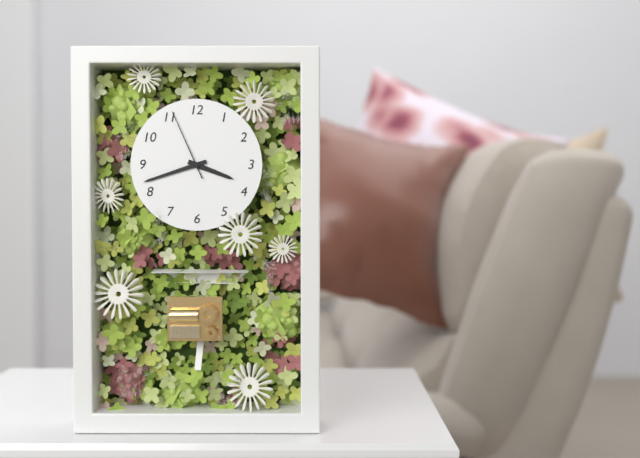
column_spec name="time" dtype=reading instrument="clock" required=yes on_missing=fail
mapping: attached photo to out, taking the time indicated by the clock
3:42:56
